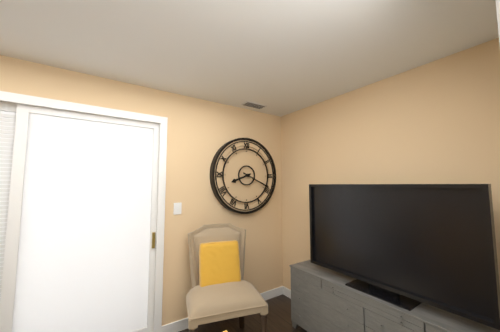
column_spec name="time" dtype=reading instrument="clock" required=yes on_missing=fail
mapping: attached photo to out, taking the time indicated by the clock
8:19
